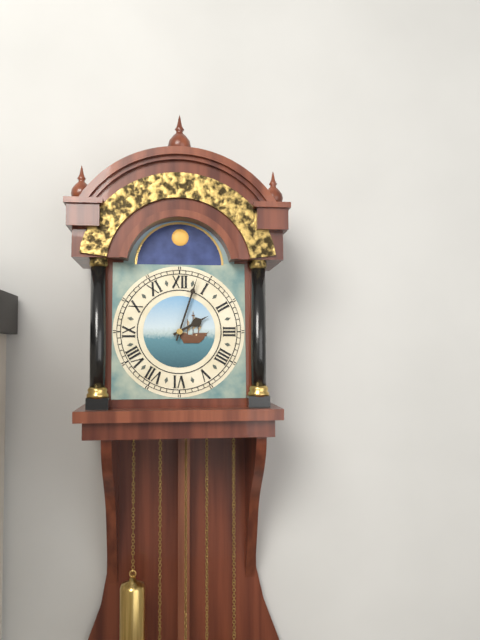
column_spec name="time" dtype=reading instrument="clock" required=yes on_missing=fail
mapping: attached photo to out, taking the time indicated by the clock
2:03
